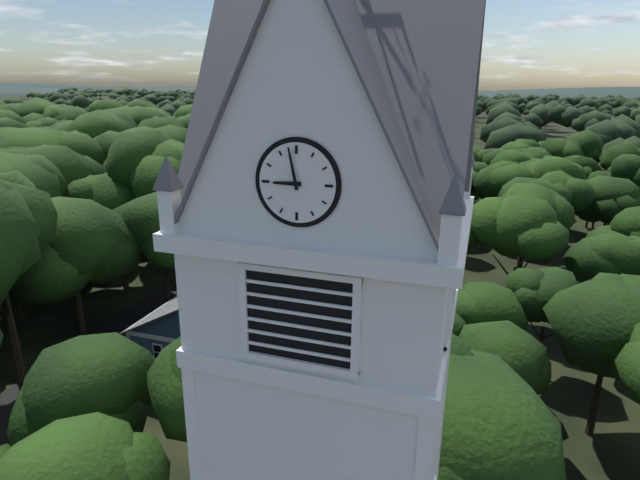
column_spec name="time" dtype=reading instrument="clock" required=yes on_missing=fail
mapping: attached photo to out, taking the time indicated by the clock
8:58
